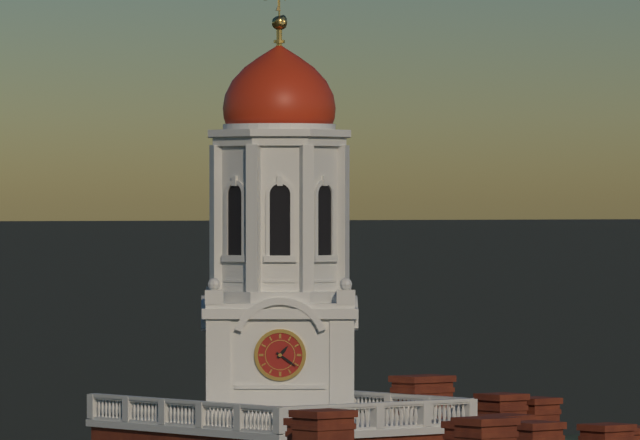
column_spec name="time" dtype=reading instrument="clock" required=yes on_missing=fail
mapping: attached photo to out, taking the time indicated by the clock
1:21
